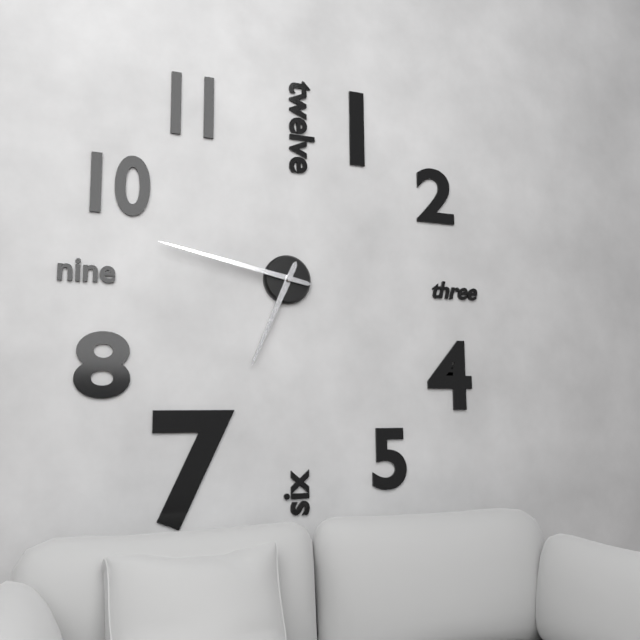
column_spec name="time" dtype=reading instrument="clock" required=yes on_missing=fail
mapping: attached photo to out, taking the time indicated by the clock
6:47
